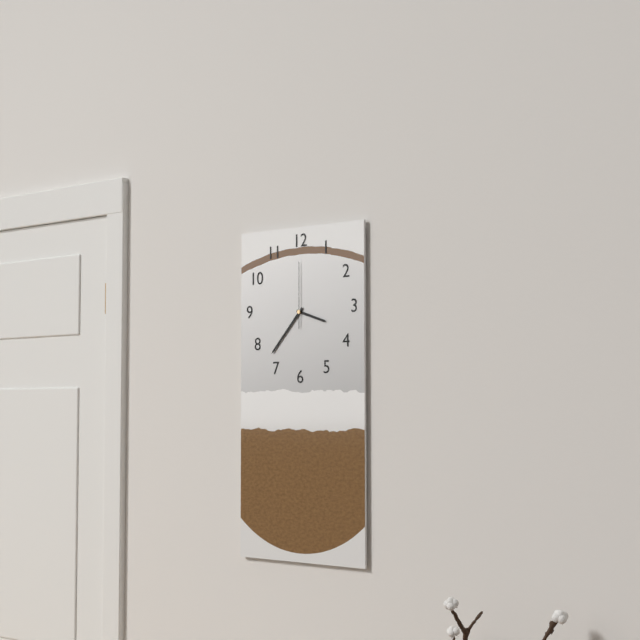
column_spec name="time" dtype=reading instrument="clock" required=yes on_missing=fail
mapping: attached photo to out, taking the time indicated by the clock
3:37:00
